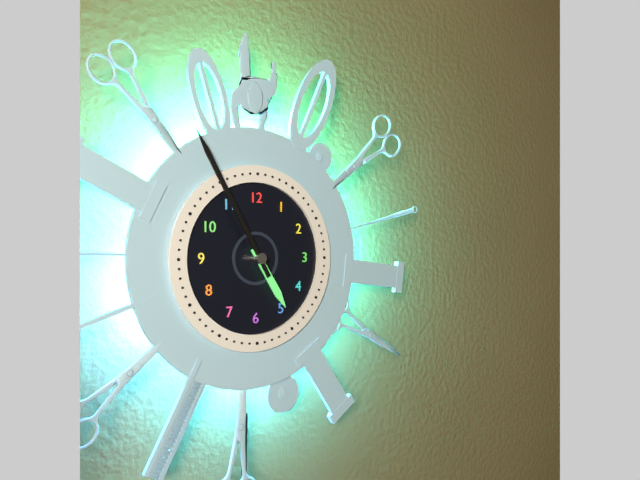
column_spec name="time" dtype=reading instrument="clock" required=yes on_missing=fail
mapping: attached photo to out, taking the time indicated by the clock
4:55
